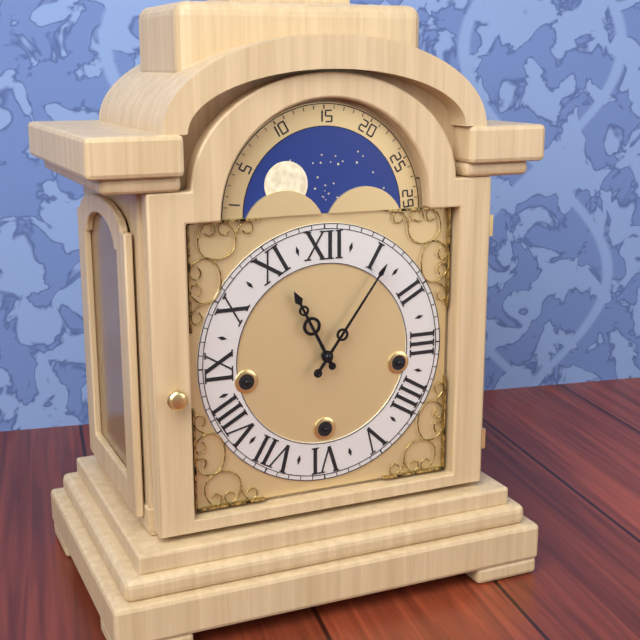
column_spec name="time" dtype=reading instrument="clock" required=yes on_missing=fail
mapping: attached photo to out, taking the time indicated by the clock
11:06
